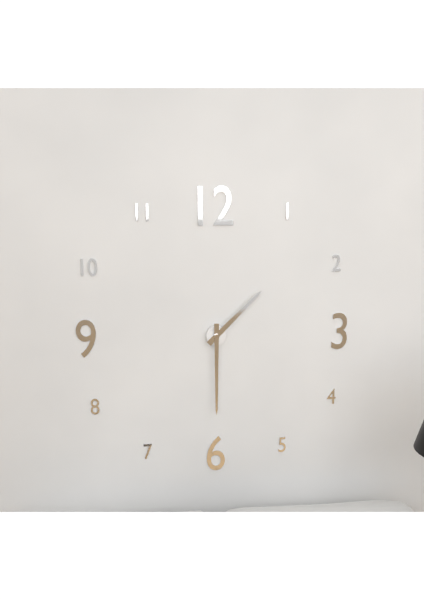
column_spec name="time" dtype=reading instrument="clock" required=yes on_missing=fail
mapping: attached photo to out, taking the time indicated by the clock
1:30
